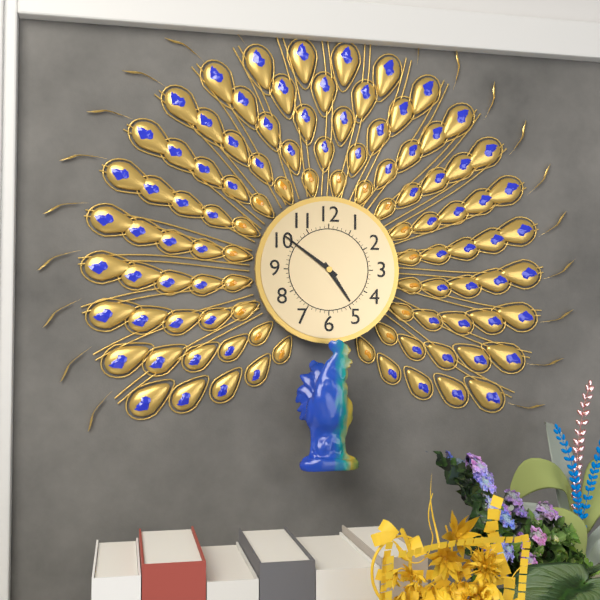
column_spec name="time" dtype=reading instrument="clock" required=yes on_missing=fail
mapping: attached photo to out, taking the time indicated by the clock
4:51
